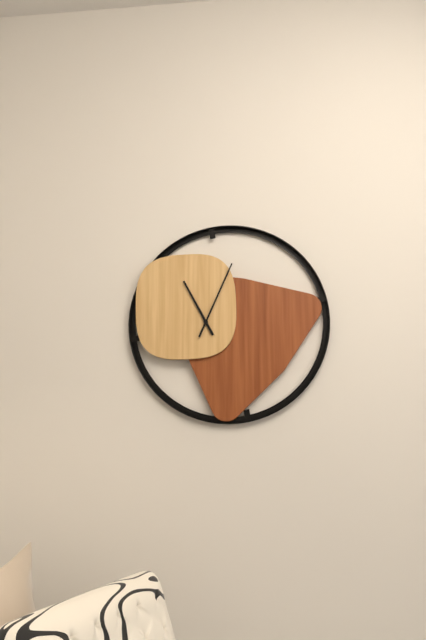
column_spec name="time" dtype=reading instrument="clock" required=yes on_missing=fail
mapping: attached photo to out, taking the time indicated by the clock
11:04
